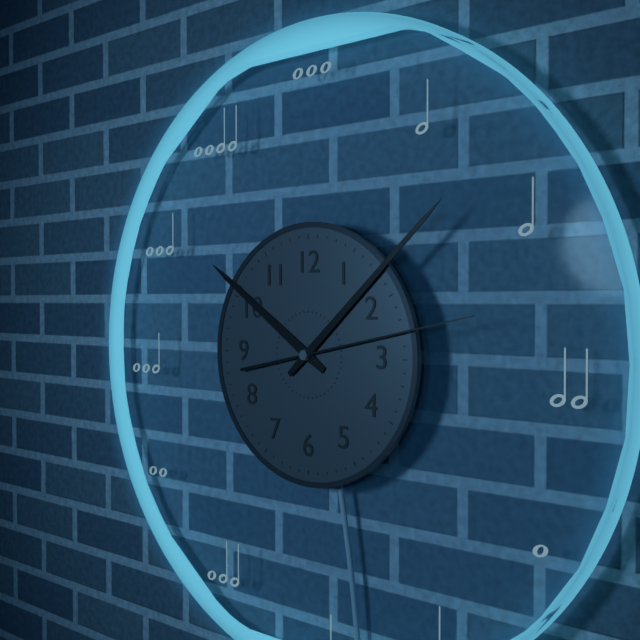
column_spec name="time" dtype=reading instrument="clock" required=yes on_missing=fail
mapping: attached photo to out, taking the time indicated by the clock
10:08:13
